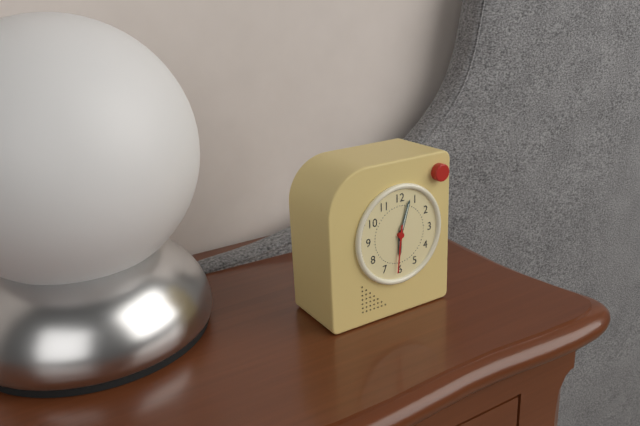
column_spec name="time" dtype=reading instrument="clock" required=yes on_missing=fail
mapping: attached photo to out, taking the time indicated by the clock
6:03
